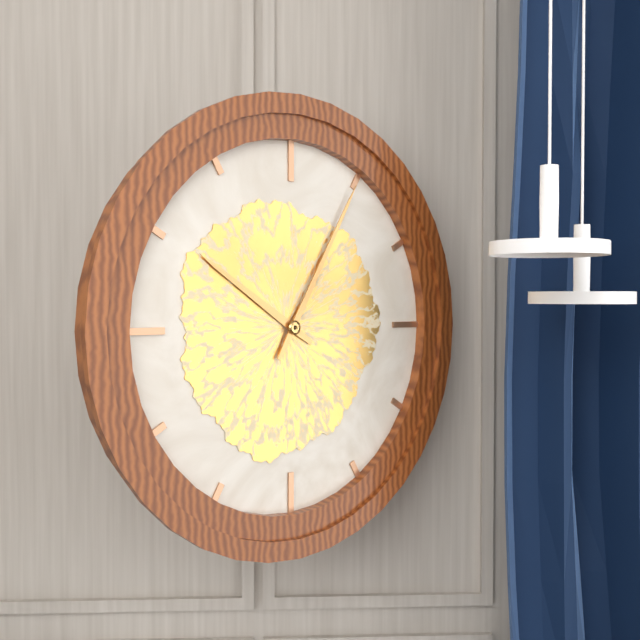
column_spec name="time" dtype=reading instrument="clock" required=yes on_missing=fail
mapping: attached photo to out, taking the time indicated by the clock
10:05
